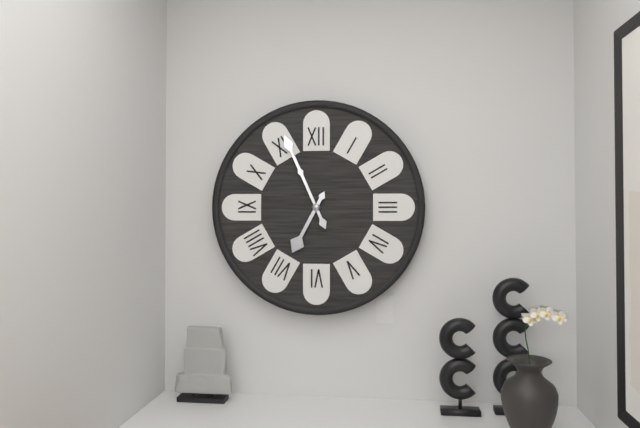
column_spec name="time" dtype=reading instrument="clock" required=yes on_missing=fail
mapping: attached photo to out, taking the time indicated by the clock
6:56
